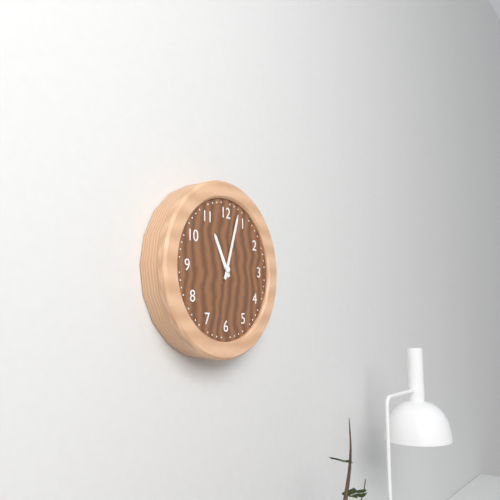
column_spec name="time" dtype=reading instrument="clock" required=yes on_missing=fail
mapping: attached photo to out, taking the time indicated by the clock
11:03
